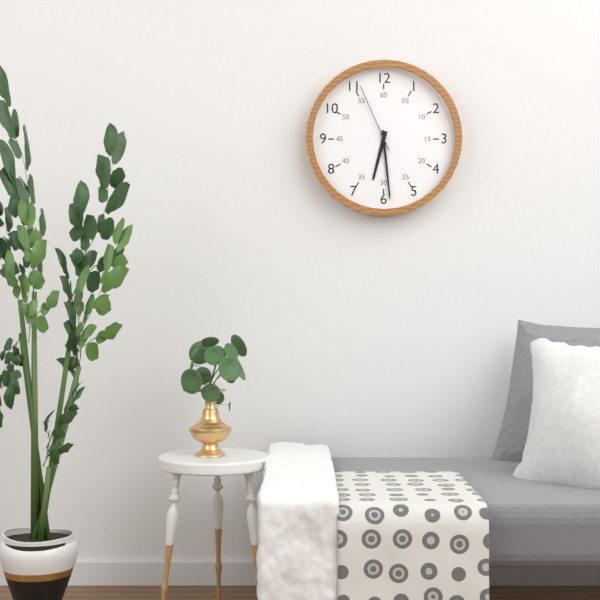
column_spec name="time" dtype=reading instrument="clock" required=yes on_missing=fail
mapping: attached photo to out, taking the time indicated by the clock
6:29:56
